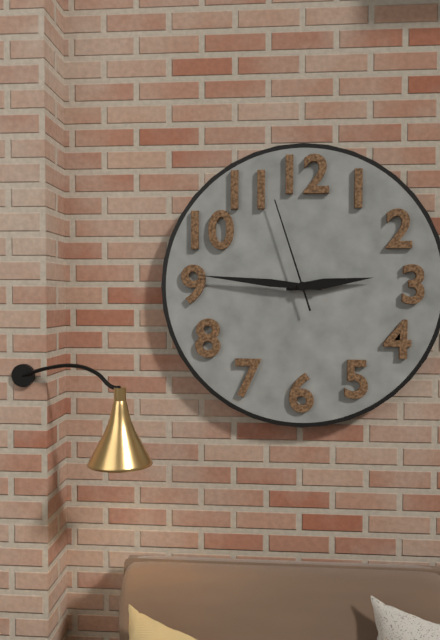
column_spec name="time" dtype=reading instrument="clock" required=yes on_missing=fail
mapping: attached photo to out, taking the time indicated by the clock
2:46:57
